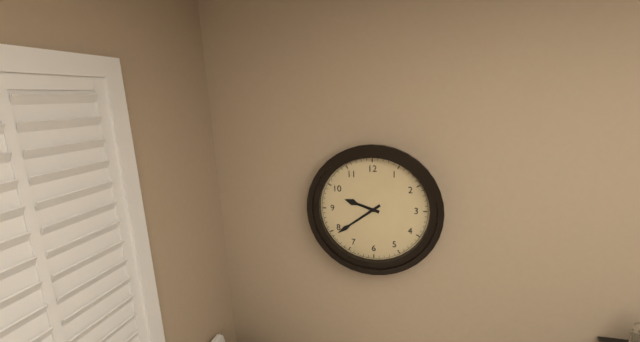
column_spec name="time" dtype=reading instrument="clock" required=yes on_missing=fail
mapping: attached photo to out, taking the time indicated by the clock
9:39
